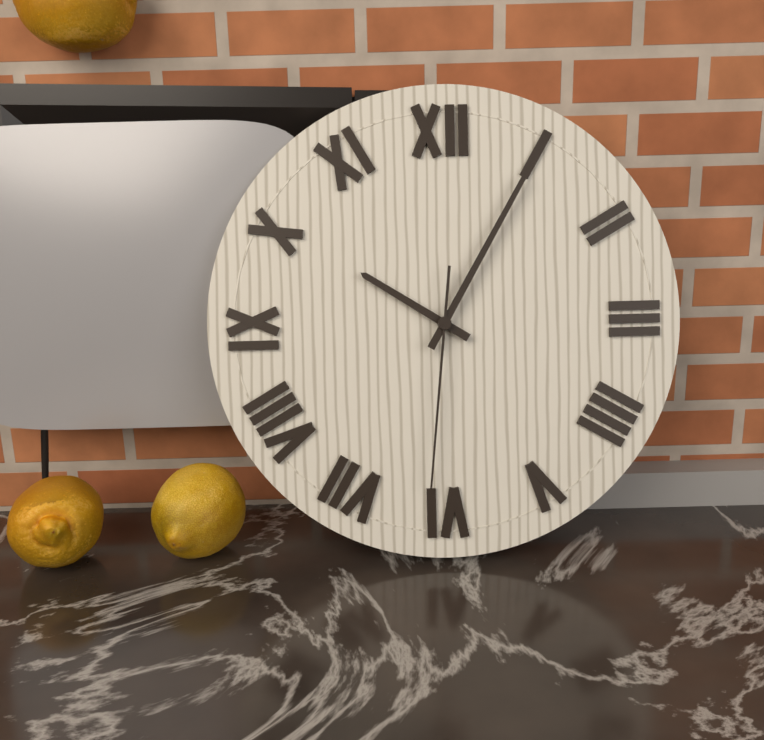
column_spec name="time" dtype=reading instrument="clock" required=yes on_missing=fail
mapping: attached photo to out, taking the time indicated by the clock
10:05:31
